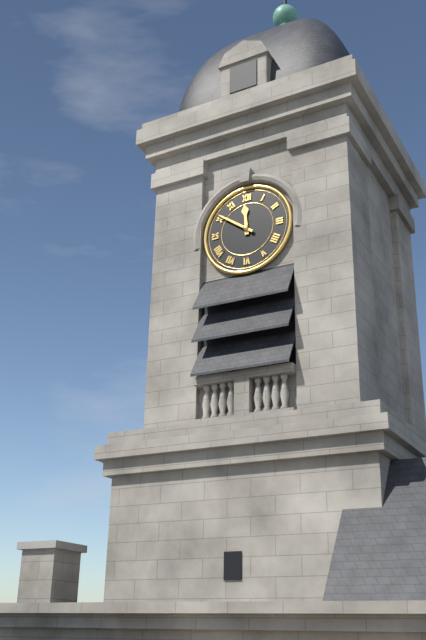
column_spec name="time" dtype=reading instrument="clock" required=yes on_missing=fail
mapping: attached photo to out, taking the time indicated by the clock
11:51
